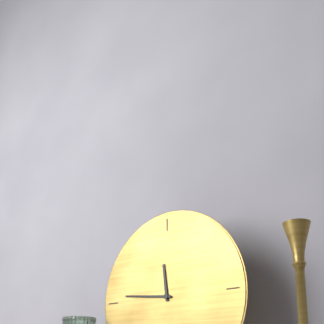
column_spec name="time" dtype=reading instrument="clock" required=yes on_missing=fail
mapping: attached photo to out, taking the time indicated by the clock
11:46
